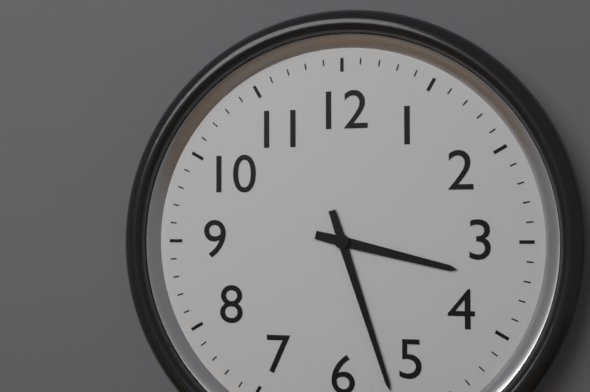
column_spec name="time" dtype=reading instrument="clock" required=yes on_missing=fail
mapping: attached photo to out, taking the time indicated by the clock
3:27
